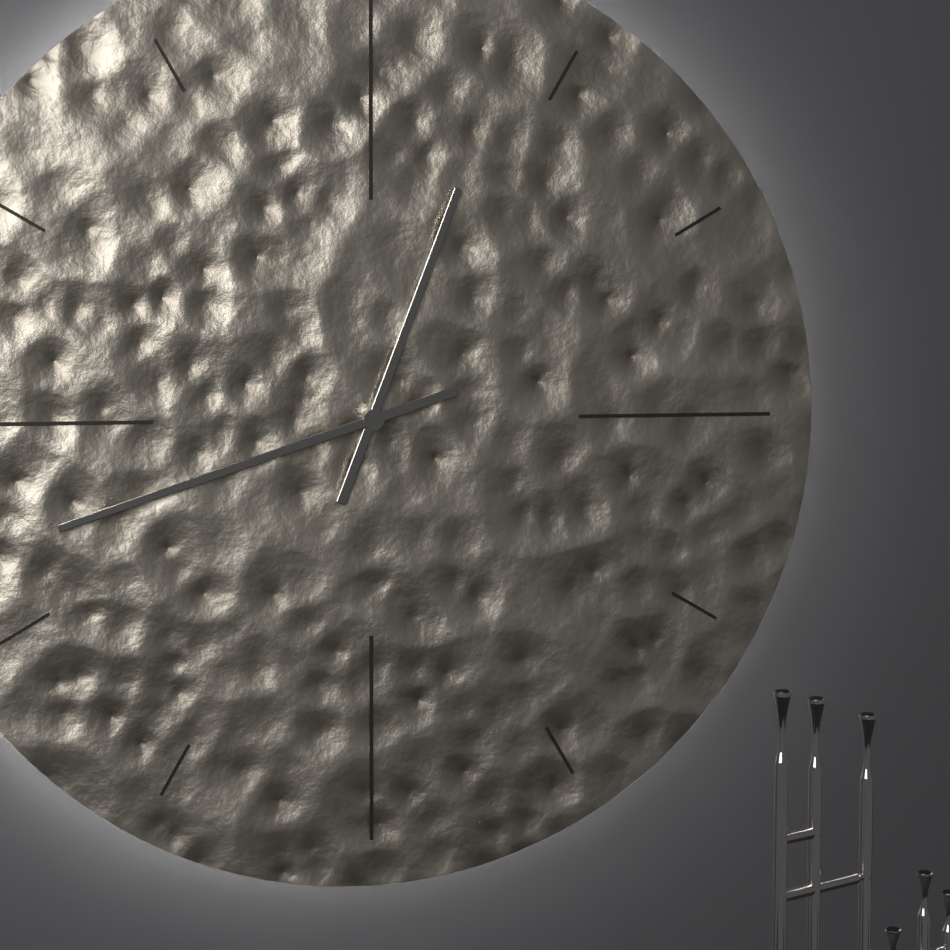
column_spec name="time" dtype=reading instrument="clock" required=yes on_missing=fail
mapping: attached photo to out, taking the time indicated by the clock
12:42
